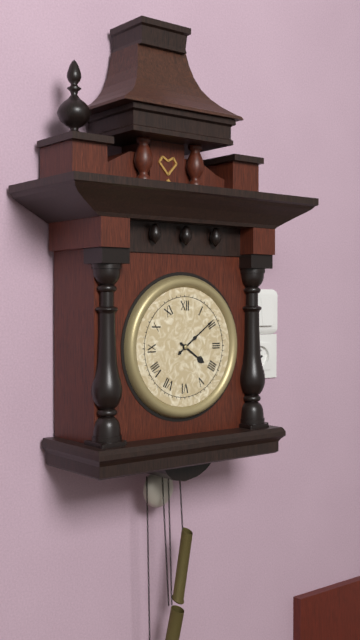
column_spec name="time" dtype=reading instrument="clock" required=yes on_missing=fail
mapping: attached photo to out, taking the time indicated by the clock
4:09
